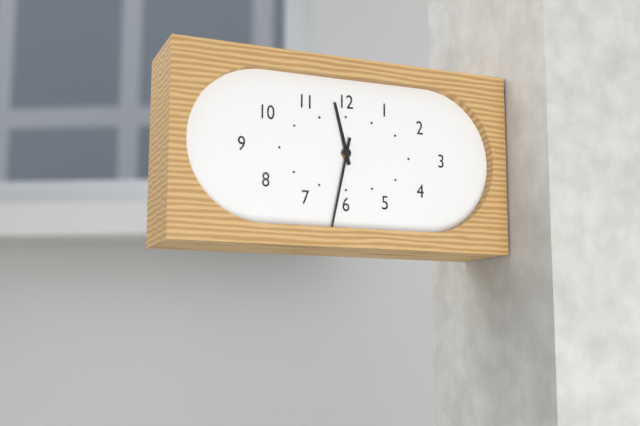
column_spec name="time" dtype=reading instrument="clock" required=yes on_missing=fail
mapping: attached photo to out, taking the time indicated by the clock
11:32
